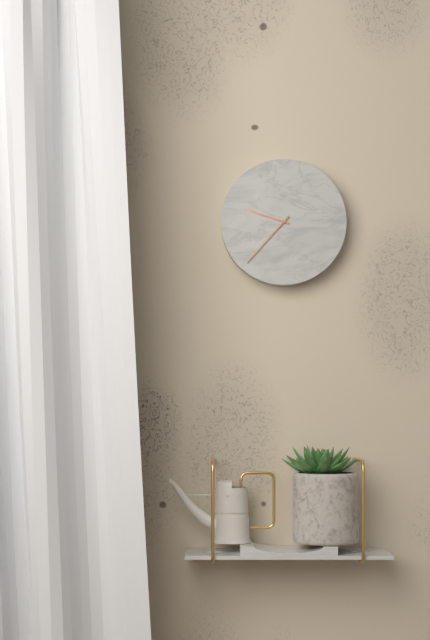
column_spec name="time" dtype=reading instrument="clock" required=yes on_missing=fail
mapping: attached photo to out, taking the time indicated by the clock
9:37
